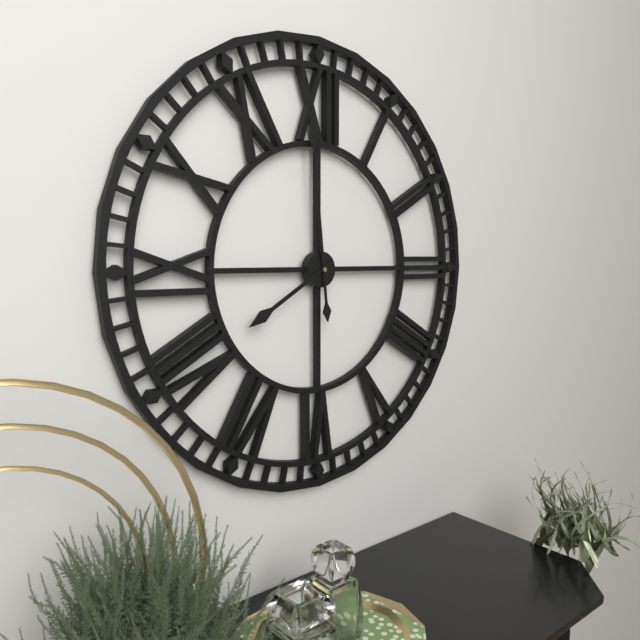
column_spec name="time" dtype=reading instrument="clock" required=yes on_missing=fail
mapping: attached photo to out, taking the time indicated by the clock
7:59
